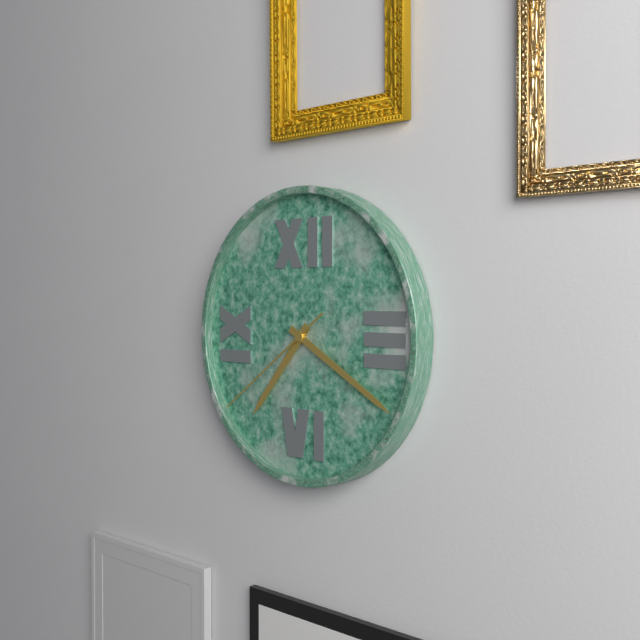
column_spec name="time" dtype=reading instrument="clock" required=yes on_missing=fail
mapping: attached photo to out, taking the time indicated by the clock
7:20:39
